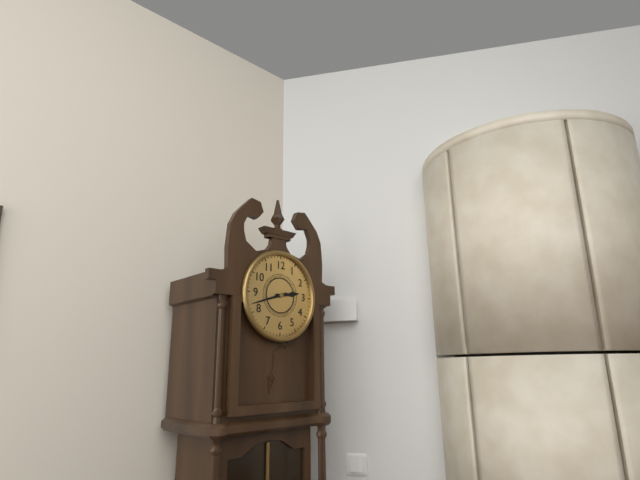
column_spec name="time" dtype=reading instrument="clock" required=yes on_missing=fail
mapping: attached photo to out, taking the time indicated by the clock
2:42
